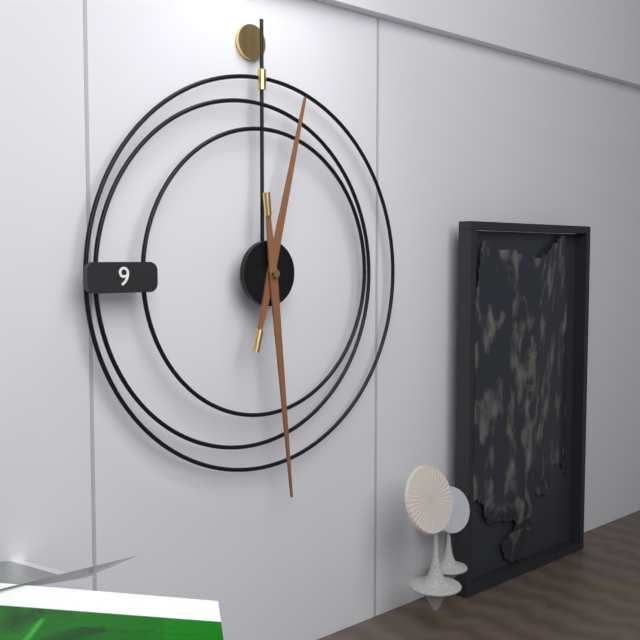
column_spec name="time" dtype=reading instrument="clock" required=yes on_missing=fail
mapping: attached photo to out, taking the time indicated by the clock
12:29
